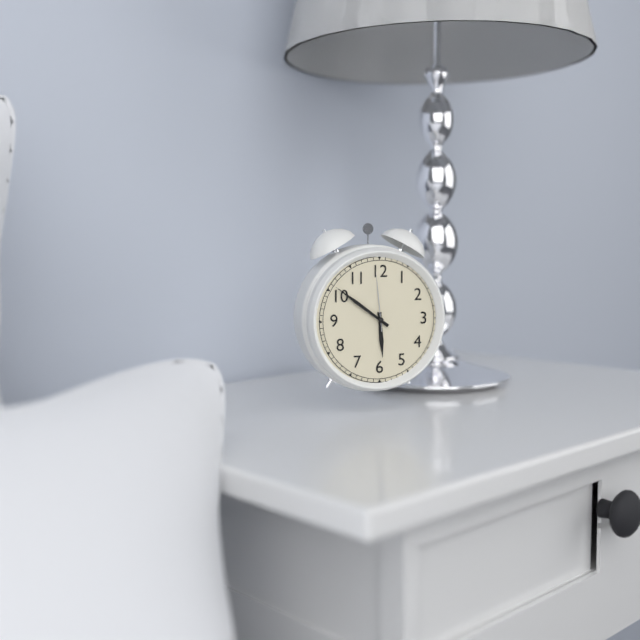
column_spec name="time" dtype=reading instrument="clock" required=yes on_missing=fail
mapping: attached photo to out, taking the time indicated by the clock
5:51:59
